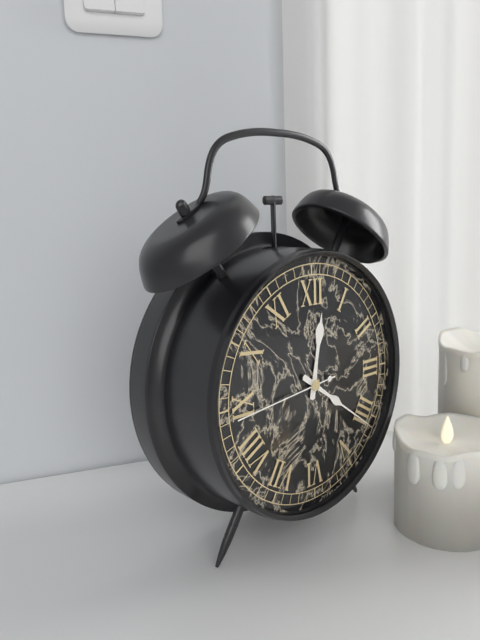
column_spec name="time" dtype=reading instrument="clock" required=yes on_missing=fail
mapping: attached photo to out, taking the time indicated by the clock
12:21:44
